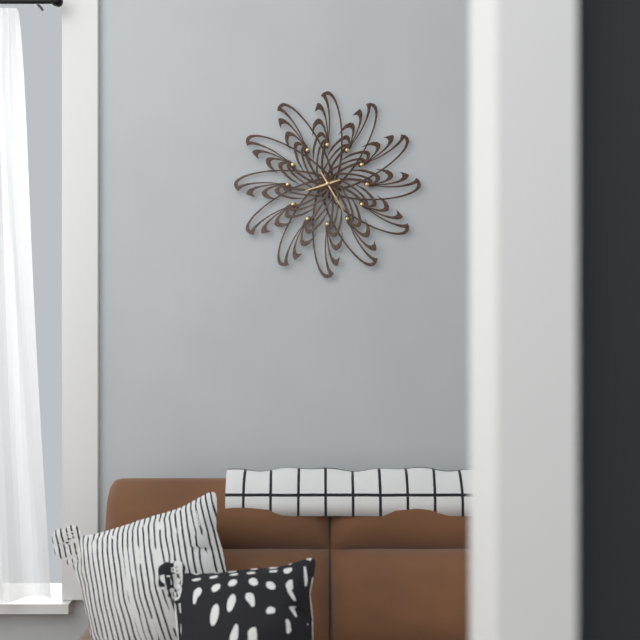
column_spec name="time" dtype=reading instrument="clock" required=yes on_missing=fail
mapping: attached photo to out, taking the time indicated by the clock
8:25
